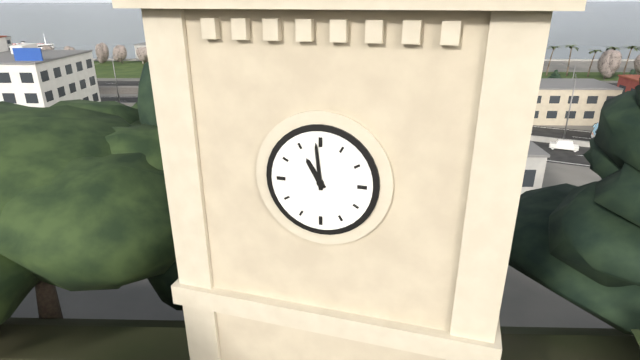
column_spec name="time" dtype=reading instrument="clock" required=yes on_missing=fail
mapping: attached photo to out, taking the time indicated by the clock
10:59
